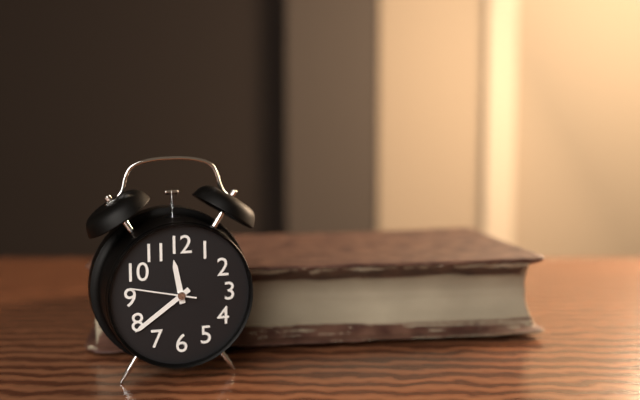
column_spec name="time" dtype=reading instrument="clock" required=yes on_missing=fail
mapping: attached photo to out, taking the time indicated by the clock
11:39:47
